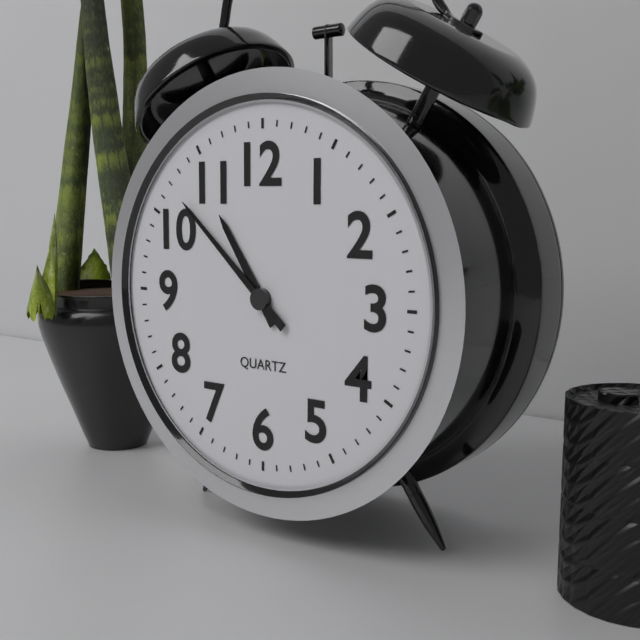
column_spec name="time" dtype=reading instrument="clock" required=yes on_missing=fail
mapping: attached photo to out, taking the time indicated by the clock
10:52
